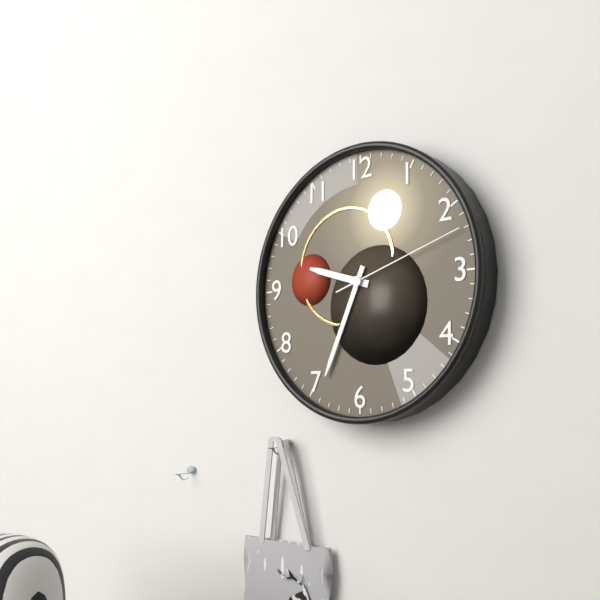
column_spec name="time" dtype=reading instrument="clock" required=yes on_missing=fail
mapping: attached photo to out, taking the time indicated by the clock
9:34:12
